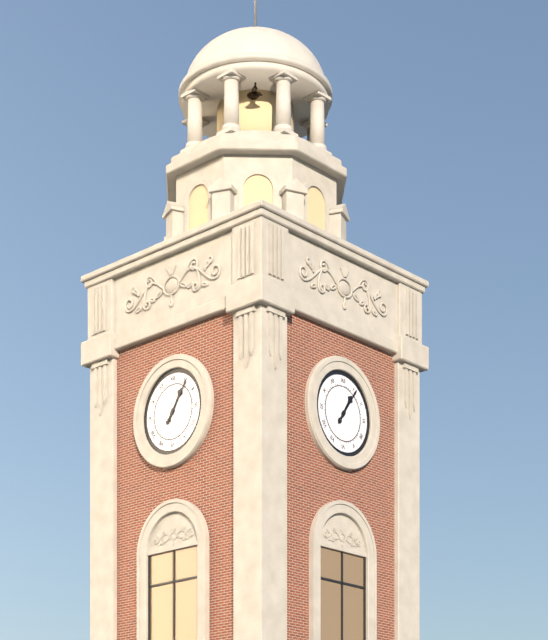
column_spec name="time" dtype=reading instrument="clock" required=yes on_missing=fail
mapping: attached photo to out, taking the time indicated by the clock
1:06
